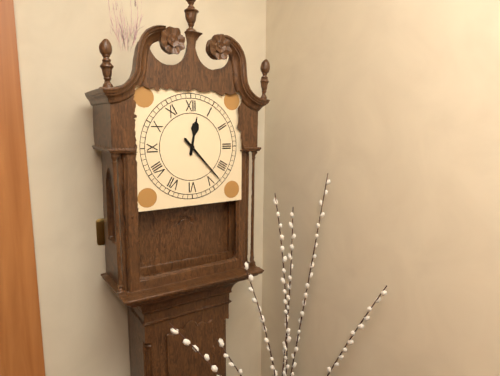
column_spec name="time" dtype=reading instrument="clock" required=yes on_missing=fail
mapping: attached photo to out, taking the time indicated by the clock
12:23
